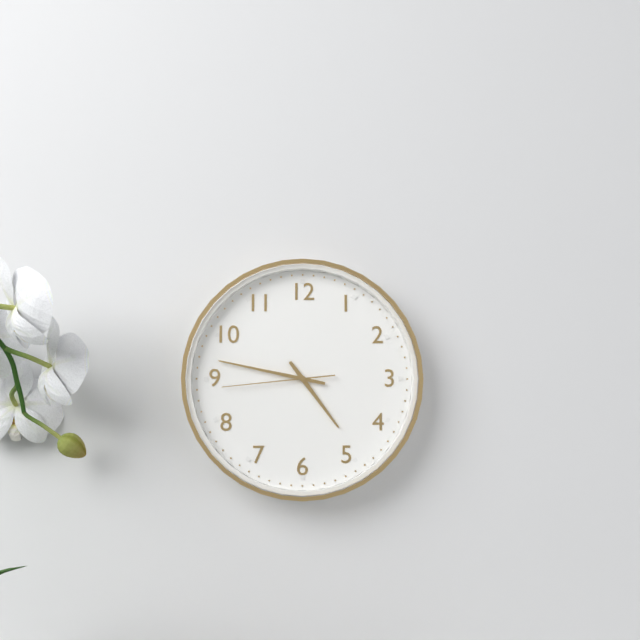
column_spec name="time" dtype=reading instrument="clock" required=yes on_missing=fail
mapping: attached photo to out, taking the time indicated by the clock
4:47:44
